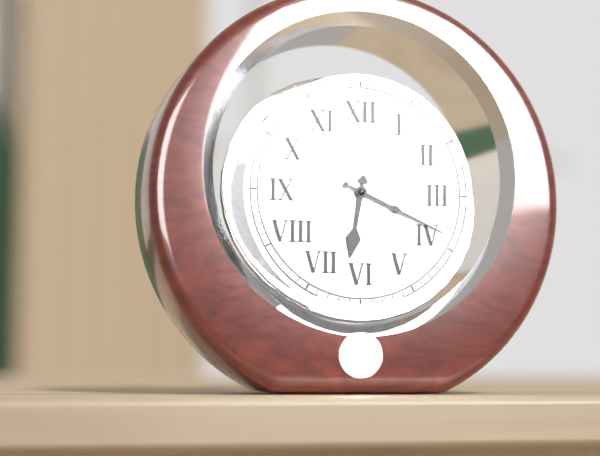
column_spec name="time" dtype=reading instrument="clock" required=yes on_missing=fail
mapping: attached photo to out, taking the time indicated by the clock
6:19
